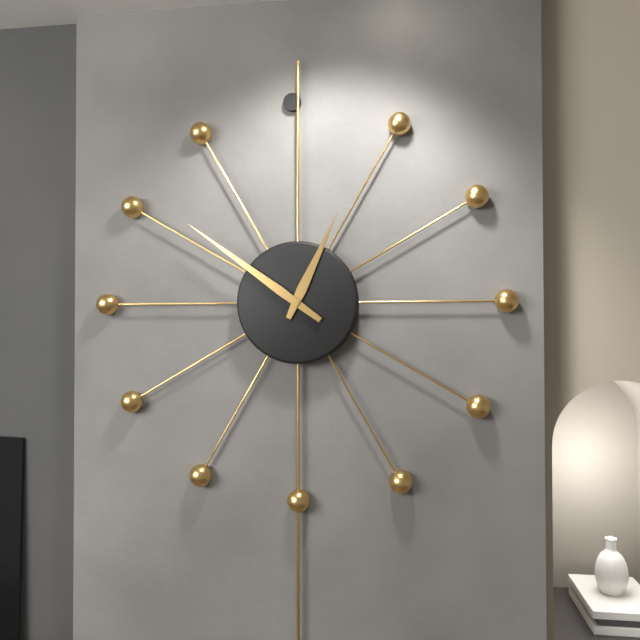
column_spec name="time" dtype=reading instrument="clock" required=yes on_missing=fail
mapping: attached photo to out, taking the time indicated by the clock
12:51
